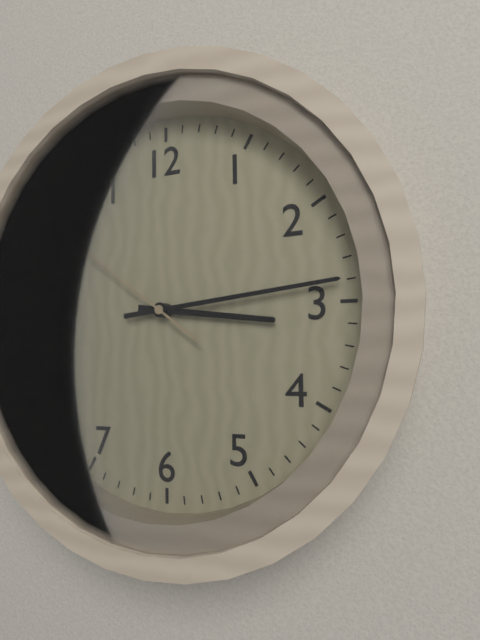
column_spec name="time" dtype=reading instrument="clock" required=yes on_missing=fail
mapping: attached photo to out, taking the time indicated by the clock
3:14:51
